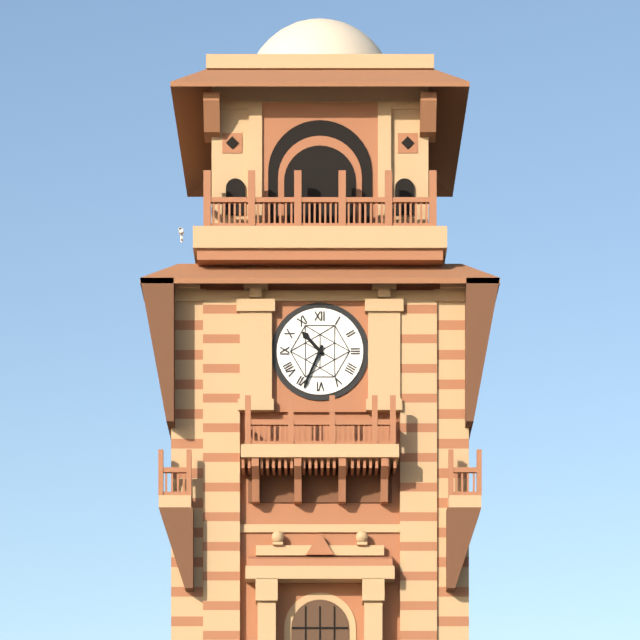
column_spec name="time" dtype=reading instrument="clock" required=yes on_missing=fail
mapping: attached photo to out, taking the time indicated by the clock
10:34
